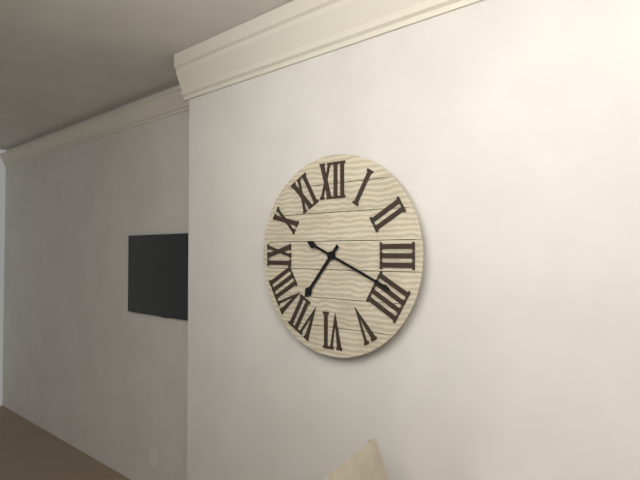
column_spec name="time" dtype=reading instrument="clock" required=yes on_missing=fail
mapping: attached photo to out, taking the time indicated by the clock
7:19
